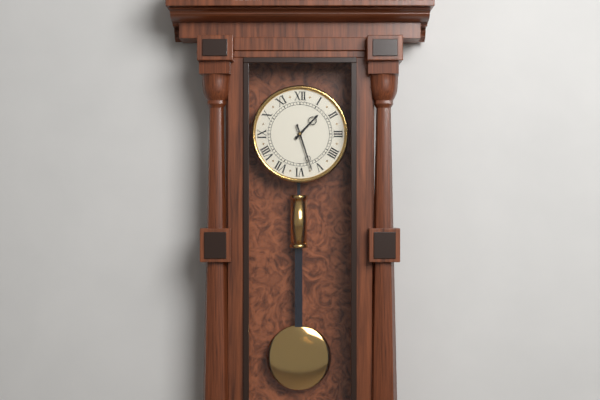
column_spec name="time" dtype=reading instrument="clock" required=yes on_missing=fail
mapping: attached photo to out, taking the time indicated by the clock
1:27
